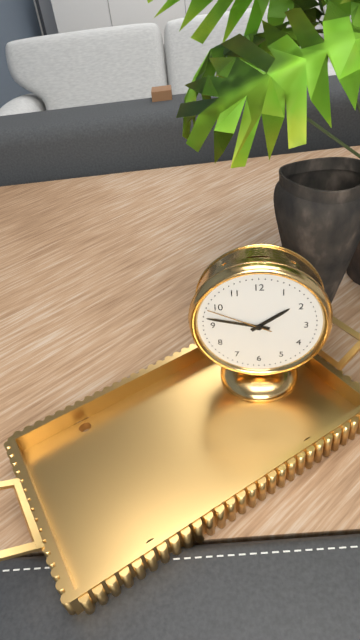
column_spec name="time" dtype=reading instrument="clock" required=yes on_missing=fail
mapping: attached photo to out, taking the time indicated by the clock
1:47:49
